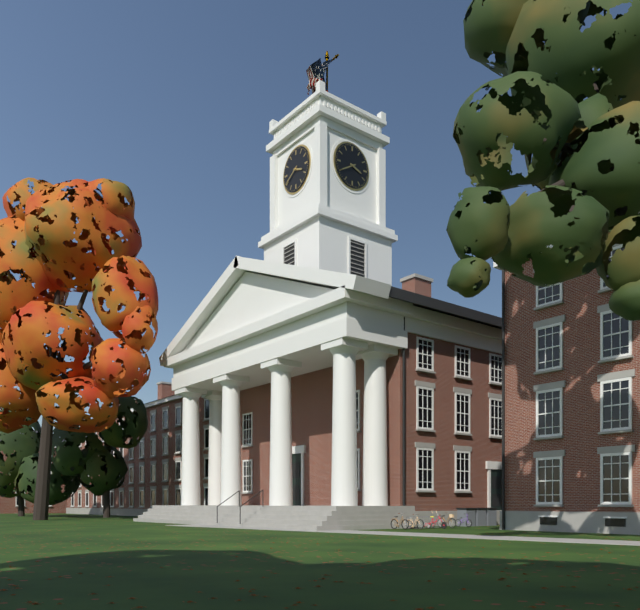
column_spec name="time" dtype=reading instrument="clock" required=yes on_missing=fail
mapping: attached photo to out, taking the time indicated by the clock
3:40
